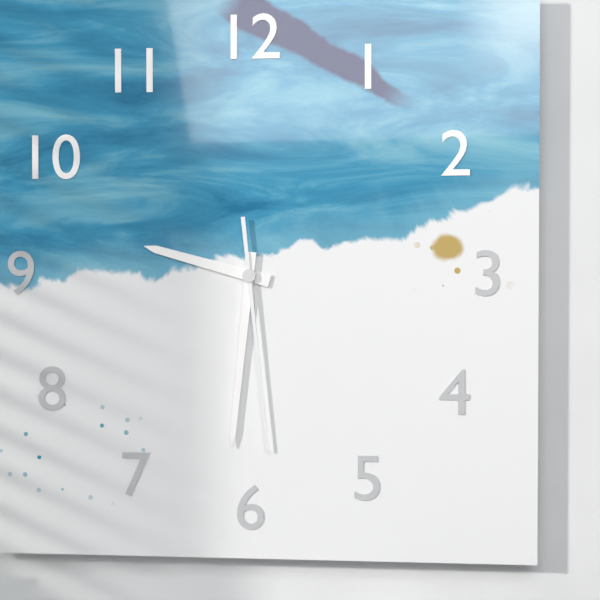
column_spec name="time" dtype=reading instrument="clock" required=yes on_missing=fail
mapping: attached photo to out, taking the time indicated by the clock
9:31:29
